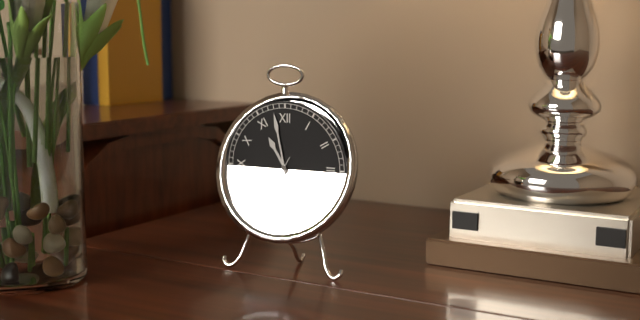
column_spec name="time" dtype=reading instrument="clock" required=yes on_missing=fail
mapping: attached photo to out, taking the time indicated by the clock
10:58
